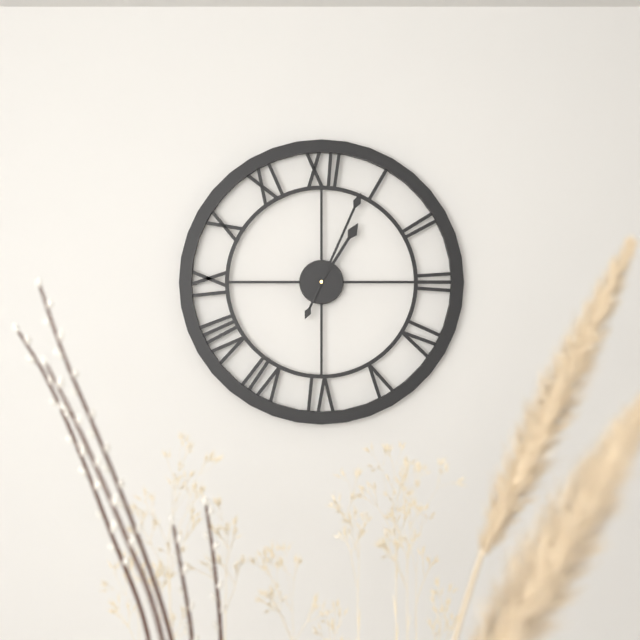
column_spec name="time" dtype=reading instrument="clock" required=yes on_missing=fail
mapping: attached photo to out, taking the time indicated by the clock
1:04
